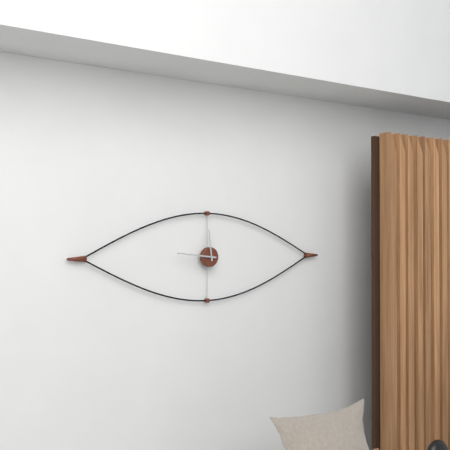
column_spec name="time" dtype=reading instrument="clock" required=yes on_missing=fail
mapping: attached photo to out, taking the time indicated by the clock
11:46
